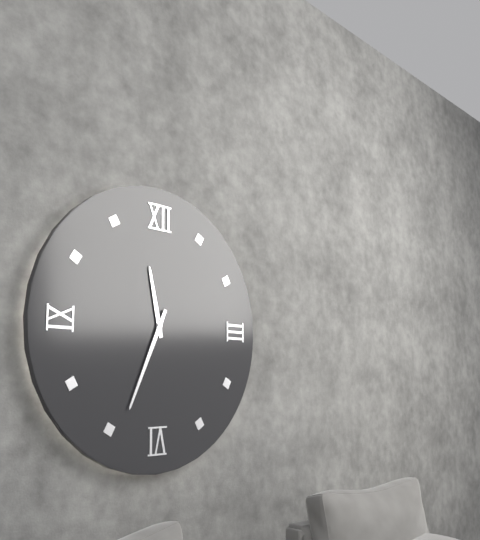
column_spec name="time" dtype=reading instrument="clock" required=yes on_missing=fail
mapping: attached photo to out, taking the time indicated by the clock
11:34
